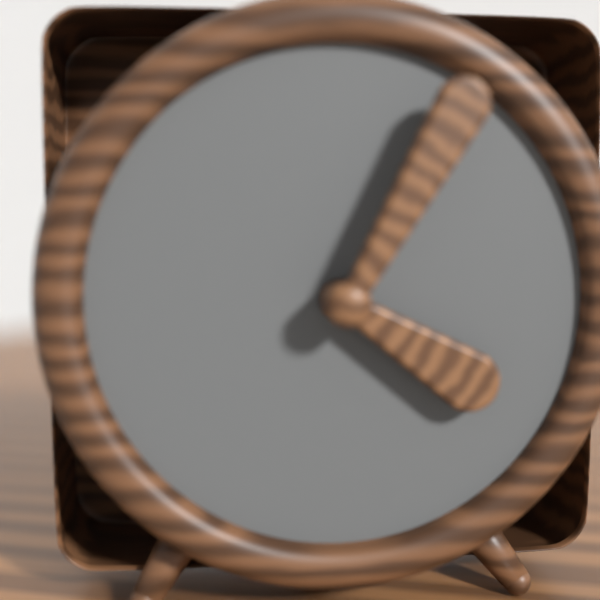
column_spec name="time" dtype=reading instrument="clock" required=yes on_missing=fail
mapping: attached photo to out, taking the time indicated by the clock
4:05
